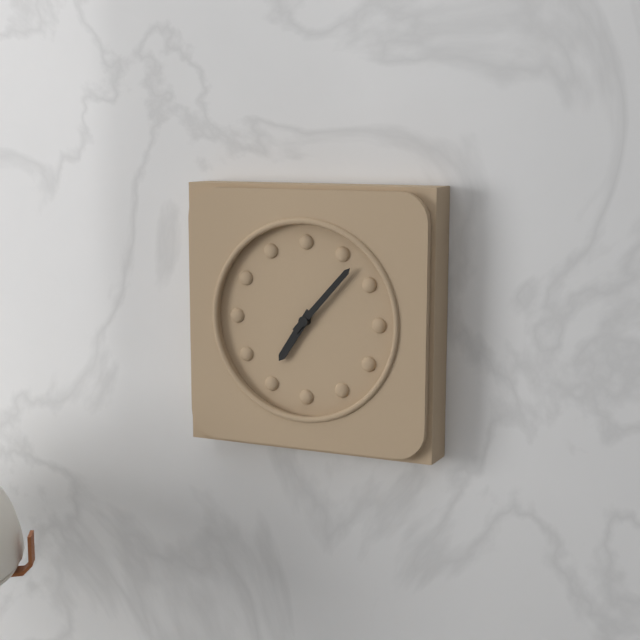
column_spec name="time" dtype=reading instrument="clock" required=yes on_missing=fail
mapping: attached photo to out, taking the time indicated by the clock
7:07
